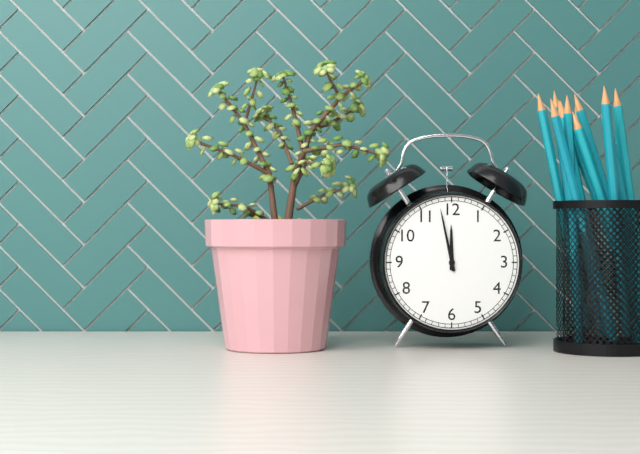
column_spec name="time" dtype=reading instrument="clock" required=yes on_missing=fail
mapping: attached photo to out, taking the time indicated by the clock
11:58
